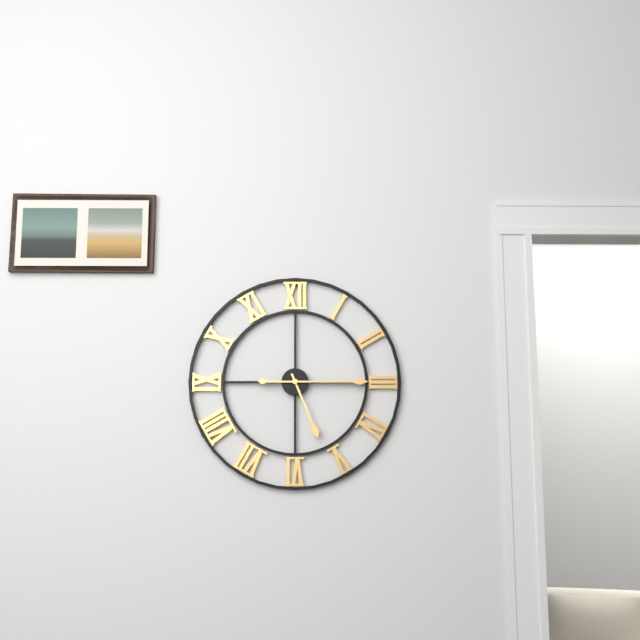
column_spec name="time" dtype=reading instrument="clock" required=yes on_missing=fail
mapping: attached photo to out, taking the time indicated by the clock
5:15
